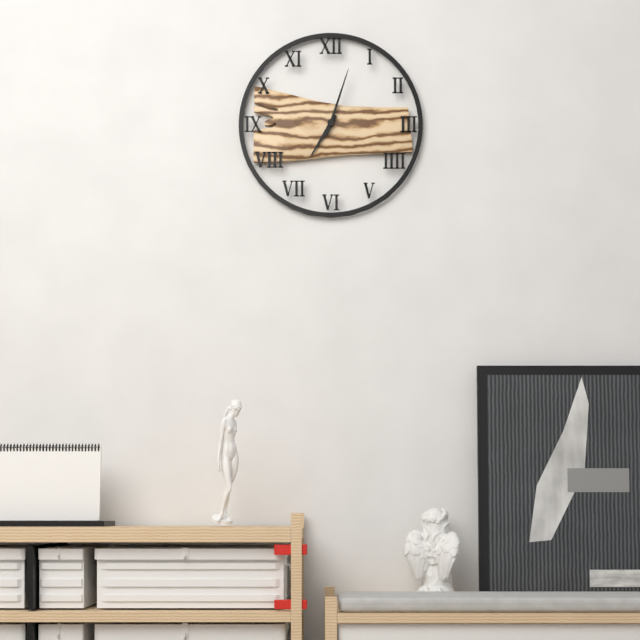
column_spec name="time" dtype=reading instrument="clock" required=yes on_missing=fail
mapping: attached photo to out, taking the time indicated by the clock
7:03
